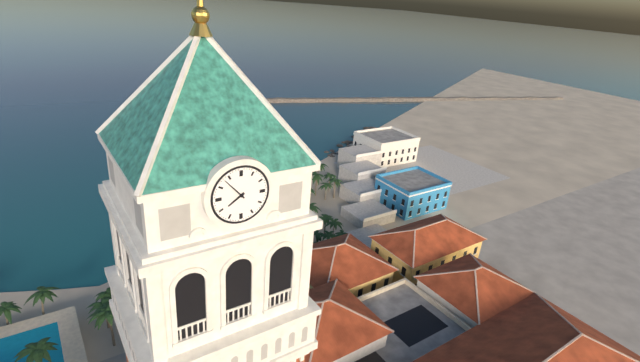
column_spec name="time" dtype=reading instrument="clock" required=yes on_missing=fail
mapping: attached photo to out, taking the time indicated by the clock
7:53
